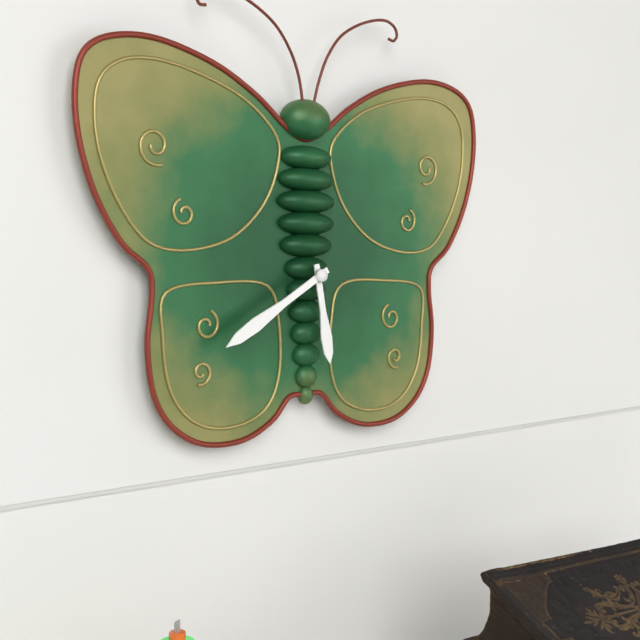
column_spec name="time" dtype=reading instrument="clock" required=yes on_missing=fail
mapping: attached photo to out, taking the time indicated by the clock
5:40
